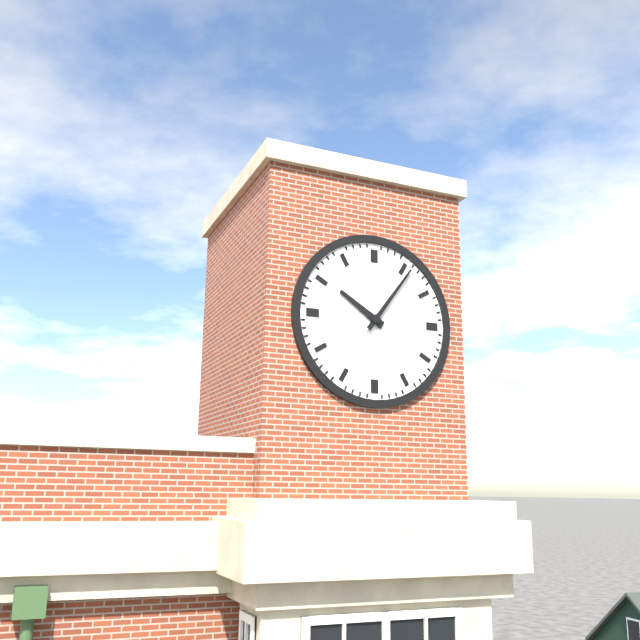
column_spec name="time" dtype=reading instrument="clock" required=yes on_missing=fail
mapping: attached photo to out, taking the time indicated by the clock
10:06
